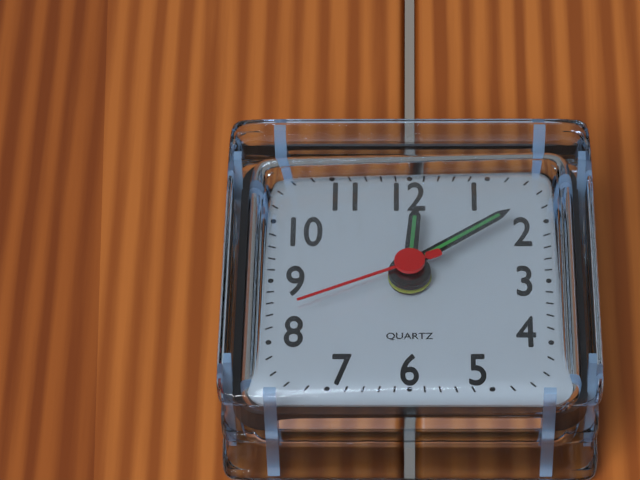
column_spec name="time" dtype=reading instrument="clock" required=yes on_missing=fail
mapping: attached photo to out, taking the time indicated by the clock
12:09:41
